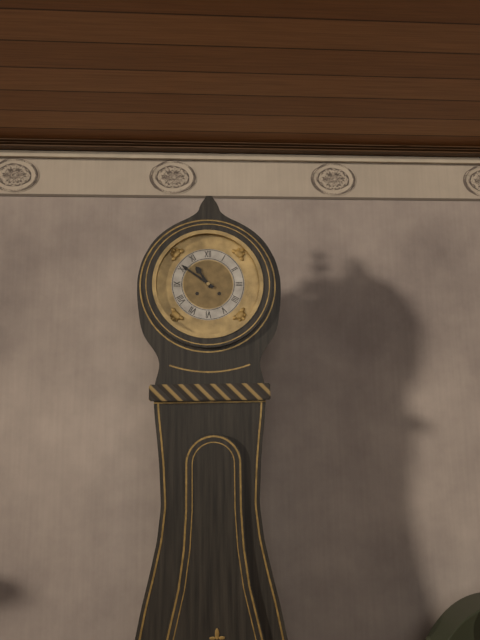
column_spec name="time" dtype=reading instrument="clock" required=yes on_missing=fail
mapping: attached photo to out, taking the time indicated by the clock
10:51
